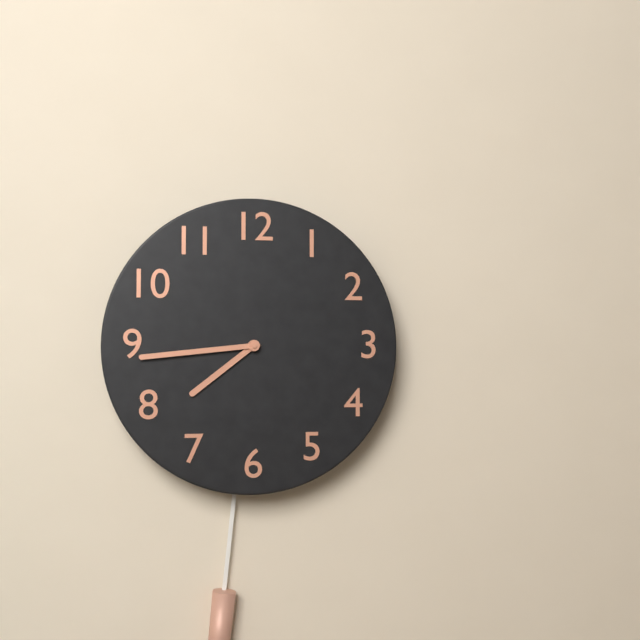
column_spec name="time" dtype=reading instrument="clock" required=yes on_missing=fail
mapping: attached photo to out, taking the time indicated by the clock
7:44
